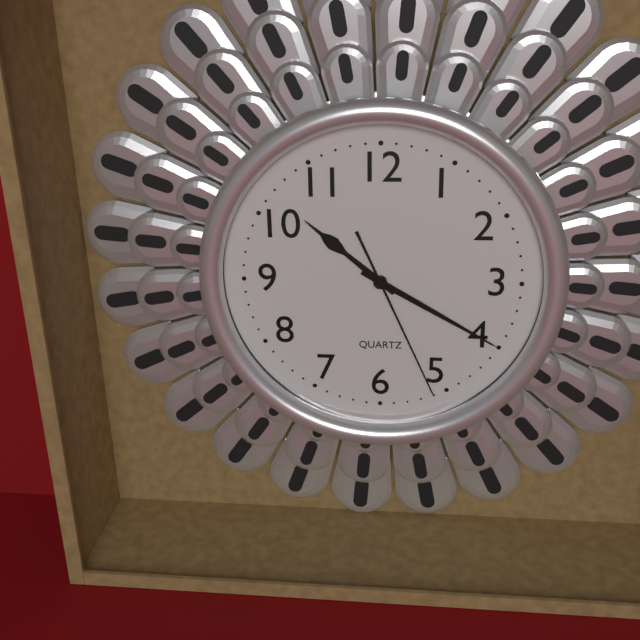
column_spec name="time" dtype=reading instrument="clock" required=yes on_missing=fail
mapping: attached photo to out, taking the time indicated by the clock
10:20:26
